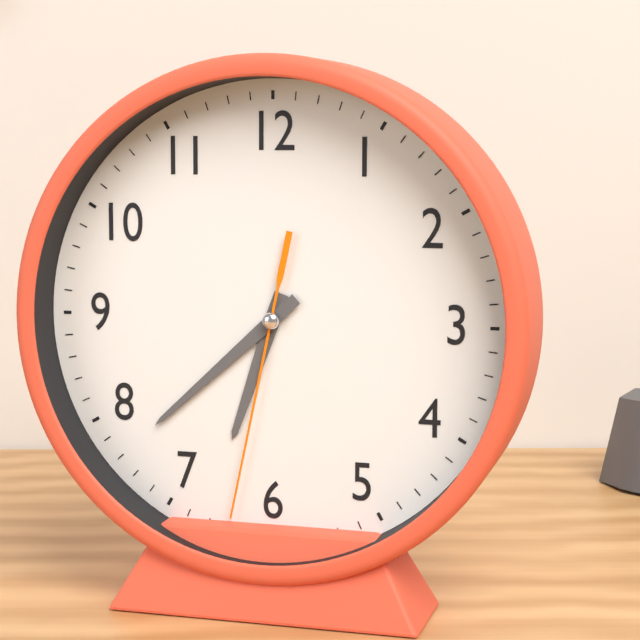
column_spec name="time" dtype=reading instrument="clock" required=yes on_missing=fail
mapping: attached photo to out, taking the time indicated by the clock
6:38:32
